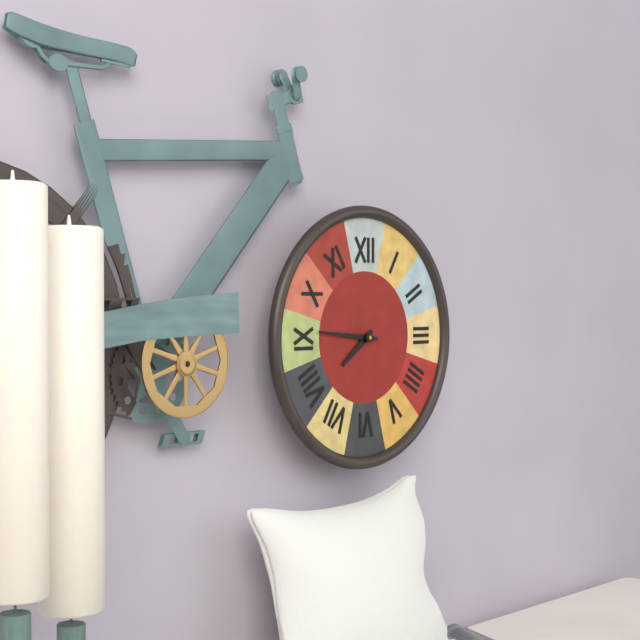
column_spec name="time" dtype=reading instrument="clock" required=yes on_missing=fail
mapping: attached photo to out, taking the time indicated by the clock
7:46
